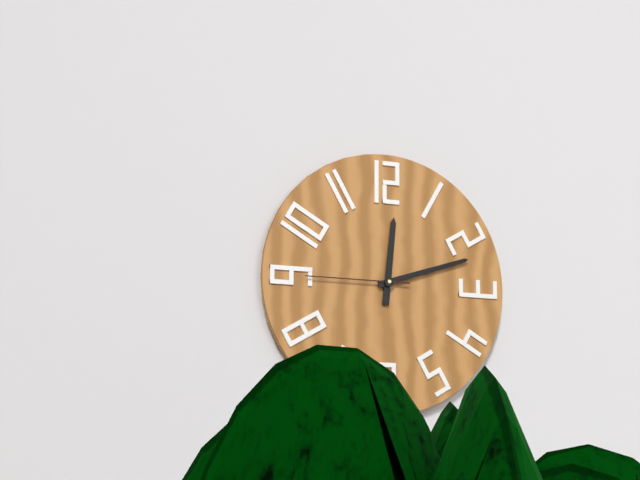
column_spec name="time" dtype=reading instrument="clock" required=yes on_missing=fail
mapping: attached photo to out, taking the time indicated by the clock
12:12:45
